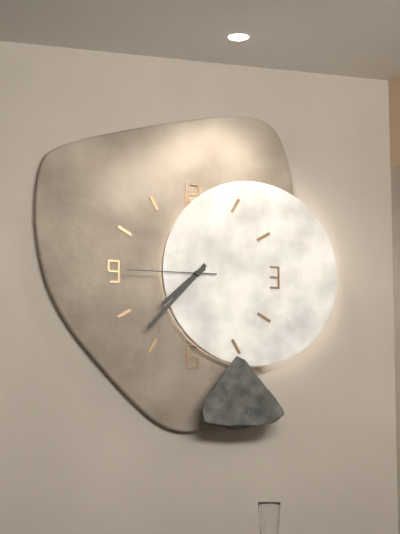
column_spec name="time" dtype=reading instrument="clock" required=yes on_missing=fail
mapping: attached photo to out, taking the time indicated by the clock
7:37:45
